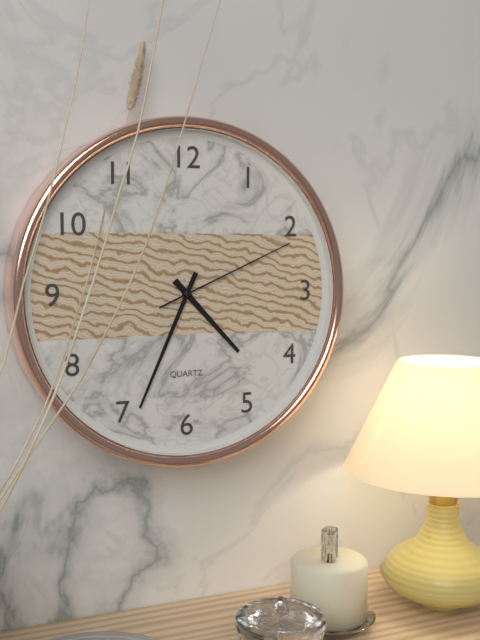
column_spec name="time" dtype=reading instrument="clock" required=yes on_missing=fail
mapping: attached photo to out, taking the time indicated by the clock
4:34:11
